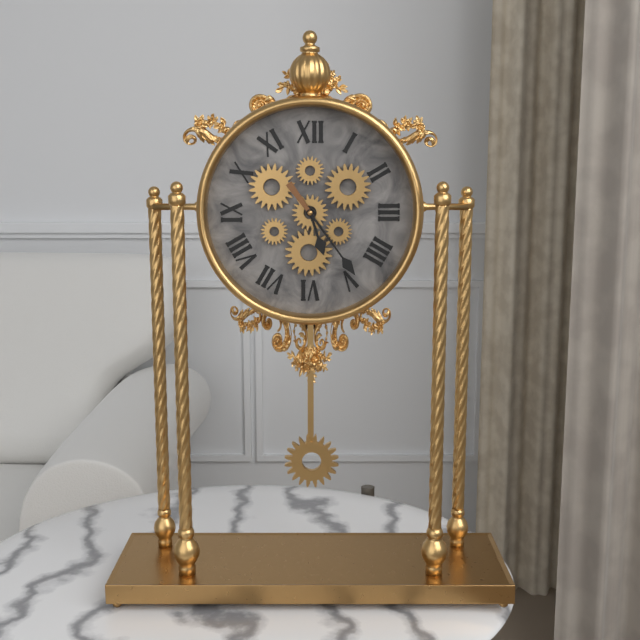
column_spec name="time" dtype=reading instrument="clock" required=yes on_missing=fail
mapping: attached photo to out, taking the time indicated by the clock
5:24
